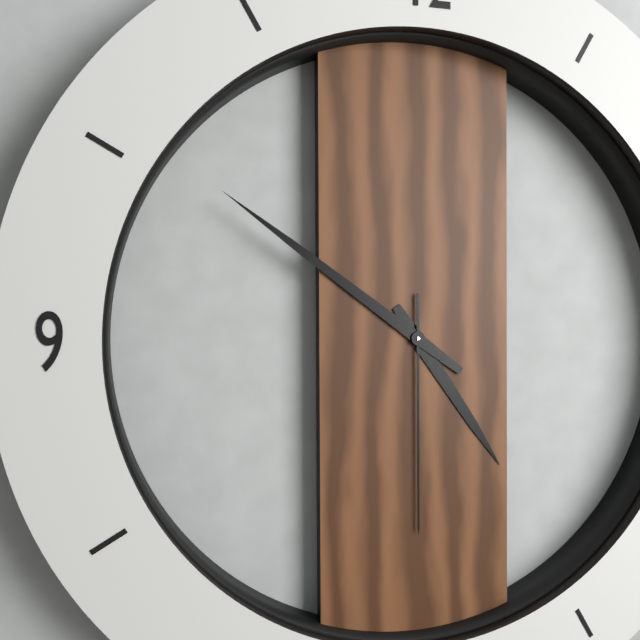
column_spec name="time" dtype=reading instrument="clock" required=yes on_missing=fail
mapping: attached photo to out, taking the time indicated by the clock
4:51:30
